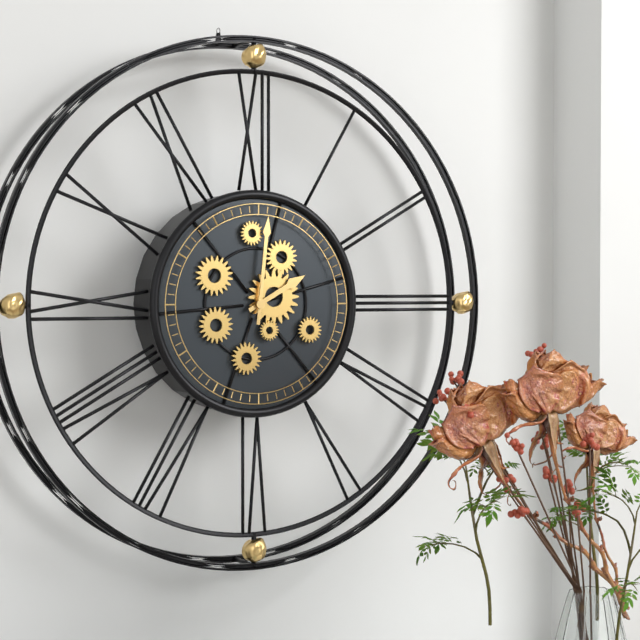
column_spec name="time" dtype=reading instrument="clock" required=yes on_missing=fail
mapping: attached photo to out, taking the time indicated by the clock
2:01
